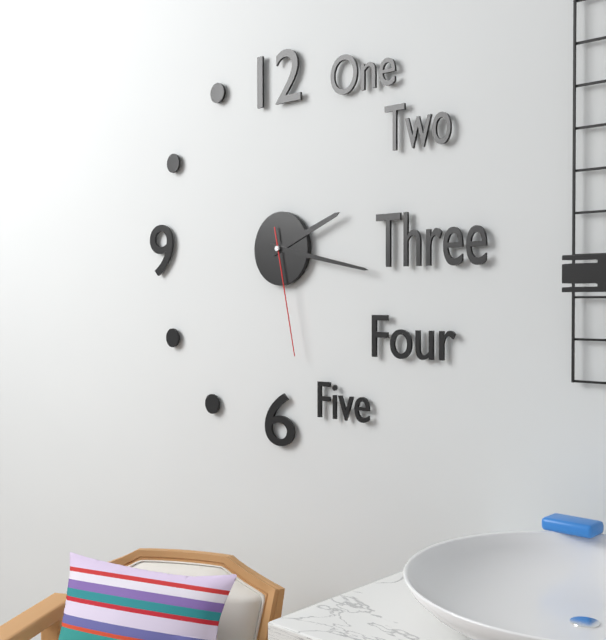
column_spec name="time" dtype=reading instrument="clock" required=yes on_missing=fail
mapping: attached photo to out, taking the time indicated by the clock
2:17:28
